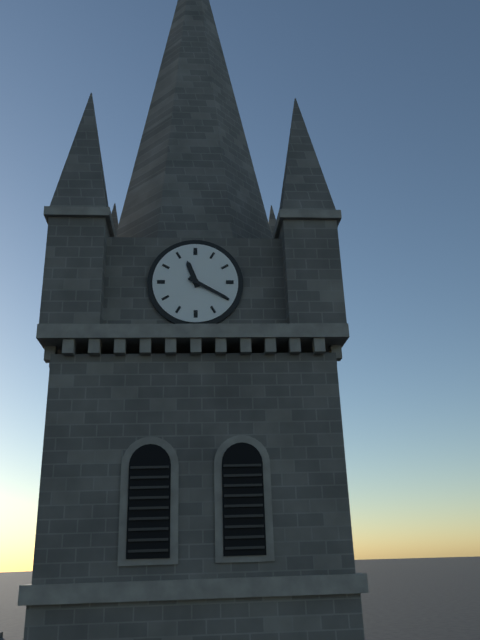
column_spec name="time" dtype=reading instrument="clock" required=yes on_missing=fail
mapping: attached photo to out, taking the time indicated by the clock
11:20
